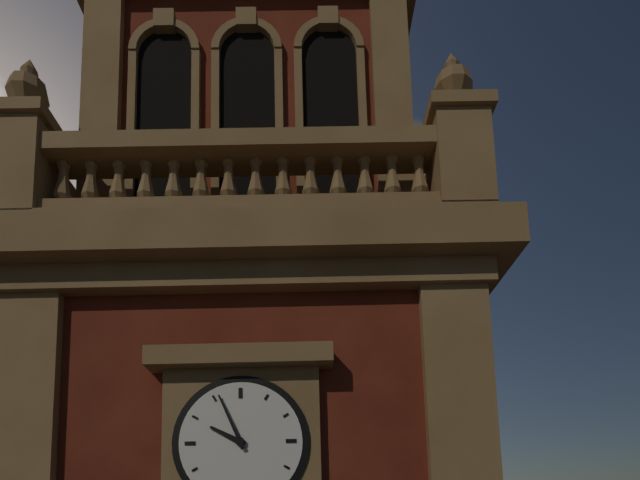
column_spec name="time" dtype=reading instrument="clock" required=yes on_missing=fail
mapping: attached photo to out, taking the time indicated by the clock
9:56
